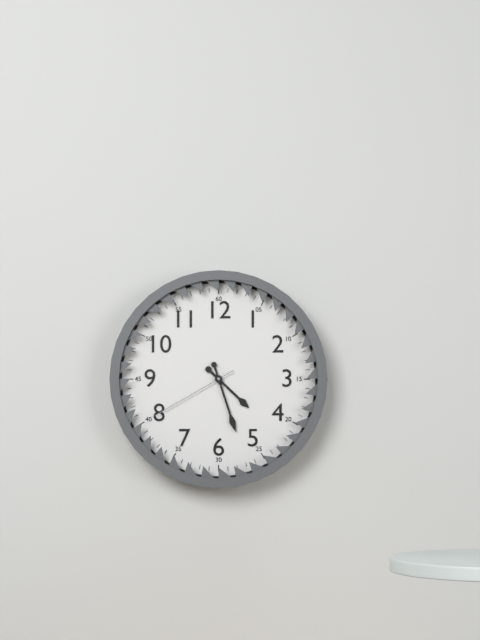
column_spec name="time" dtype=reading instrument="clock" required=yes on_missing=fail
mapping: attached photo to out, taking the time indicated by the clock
4:27:40
